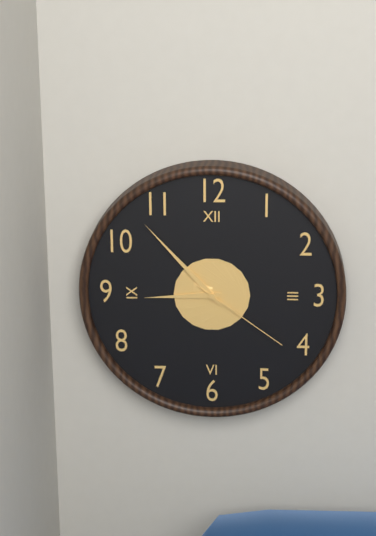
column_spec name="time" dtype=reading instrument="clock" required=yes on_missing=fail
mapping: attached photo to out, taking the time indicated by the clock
8:53:21
